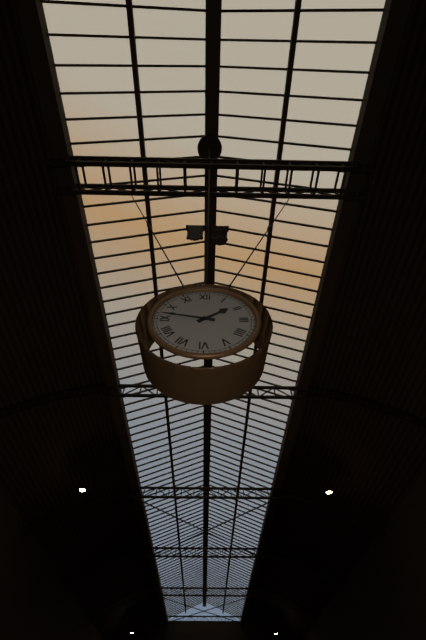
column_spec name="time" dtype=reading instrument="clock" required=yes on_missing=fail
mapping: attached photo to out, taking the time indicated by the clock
1:47
